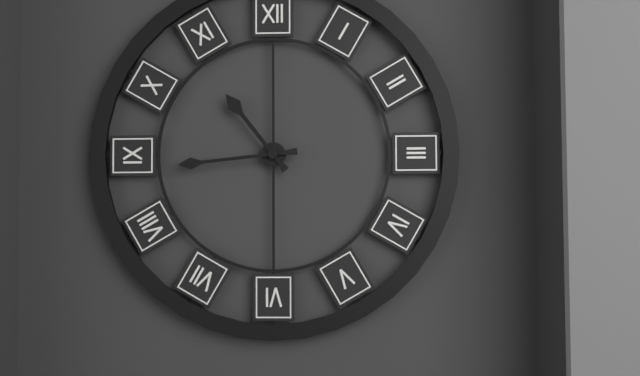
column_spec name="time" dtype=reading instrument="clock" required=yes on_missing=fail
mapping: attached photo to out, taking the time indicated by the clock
10:44
